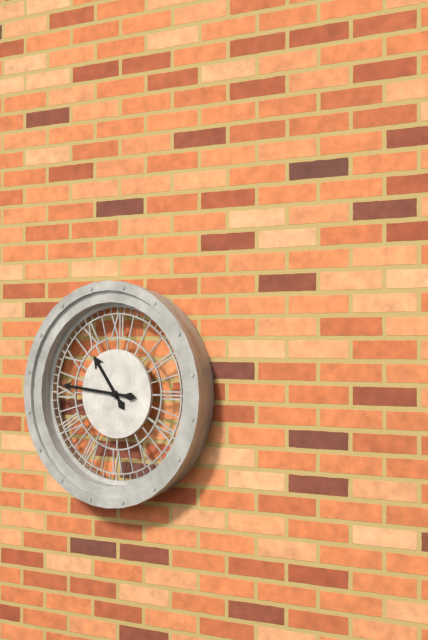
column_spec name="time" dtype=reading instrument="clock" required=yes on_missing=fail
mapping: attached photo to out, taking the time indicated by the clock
10:46
